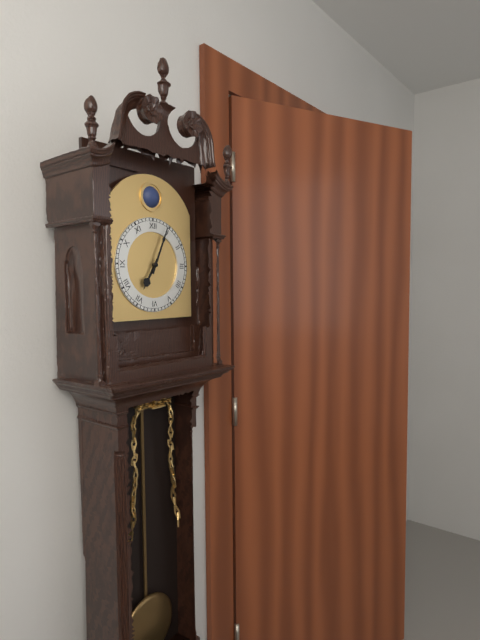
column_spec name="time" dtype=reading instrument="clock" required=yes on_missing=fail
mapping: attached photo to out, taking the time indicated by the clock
7:04
